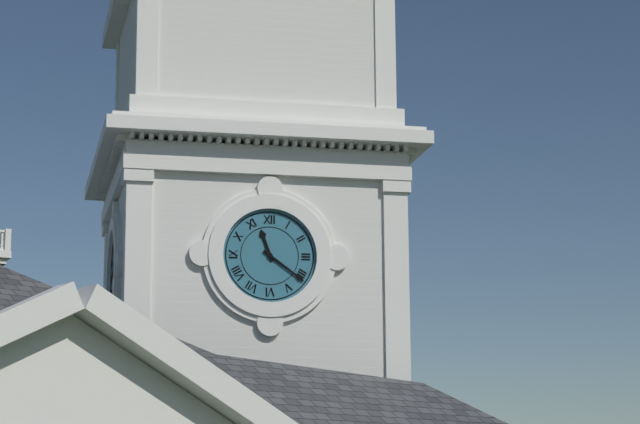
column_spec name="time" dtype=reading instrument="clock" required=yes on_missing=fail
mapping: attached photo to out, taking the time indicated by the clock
11:21
